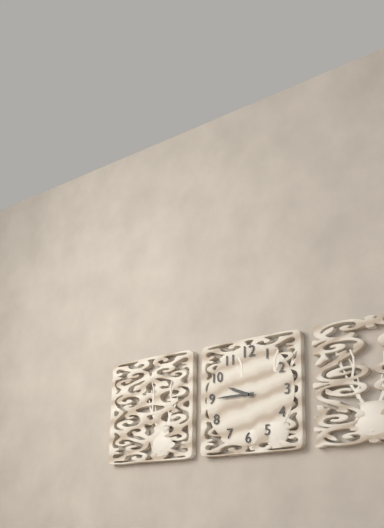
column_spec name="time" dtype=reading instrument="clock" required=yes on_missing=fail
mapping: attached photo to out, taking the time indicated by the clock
9:45
